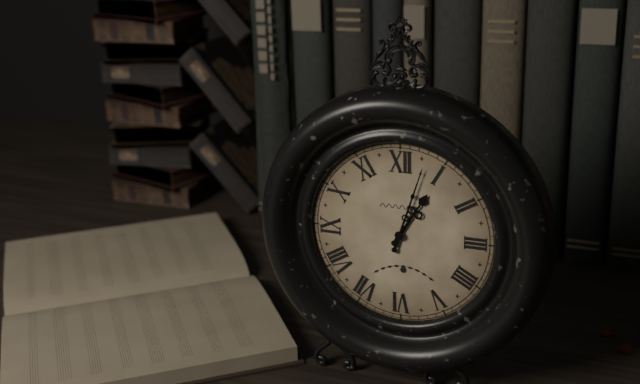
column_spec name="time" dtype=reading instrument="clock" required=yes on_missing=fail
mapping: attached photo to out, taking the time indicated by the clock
1:03
